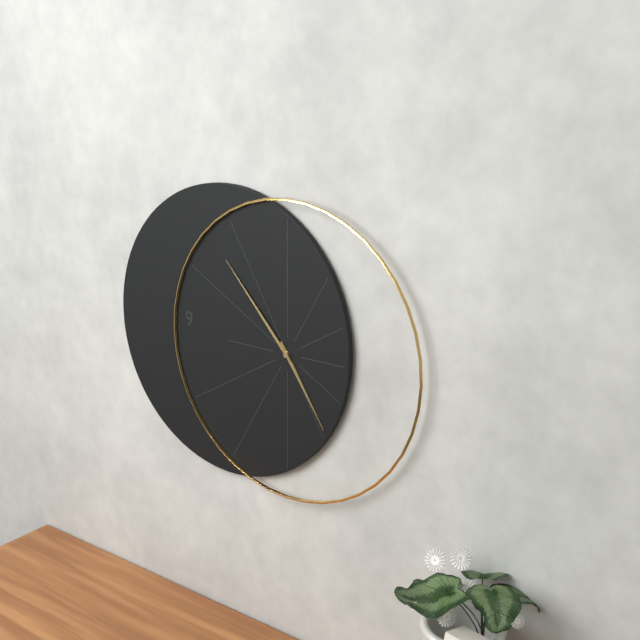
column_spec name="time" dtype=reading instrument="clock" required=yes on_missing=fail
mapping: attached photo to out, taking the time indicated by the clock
4:53
